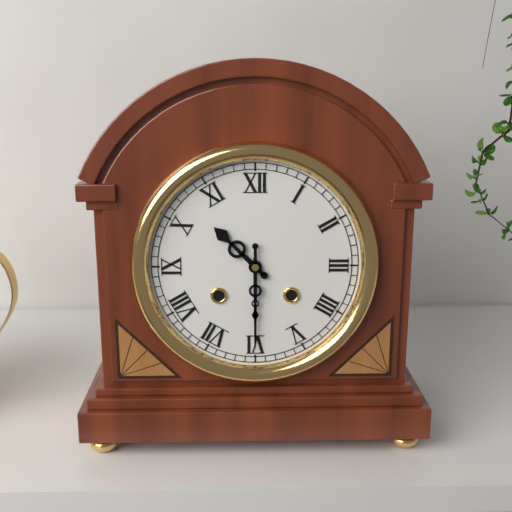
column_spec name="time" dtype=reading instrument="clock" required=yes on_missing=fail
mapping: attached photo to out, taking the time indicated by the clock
10:30
